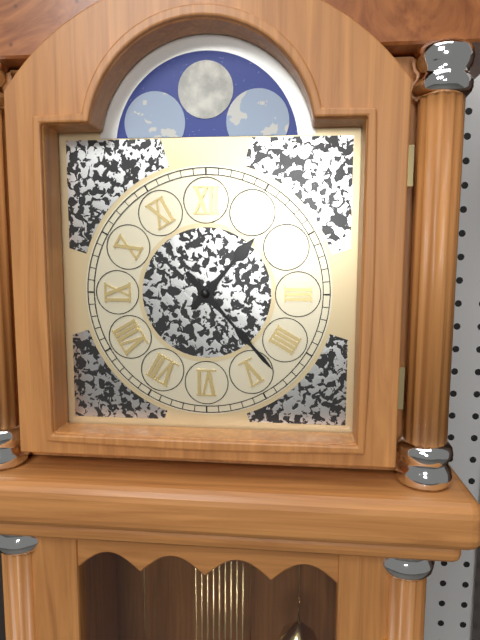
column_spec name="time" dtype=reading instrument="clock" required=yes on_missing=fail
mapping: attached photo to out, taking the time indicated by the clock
1:23
